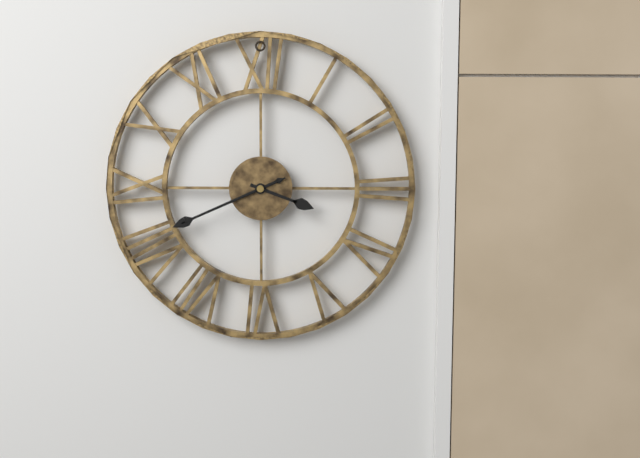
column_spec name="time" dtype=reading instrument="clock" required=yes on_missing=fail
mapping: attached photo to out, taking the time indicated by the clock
3:41:41
